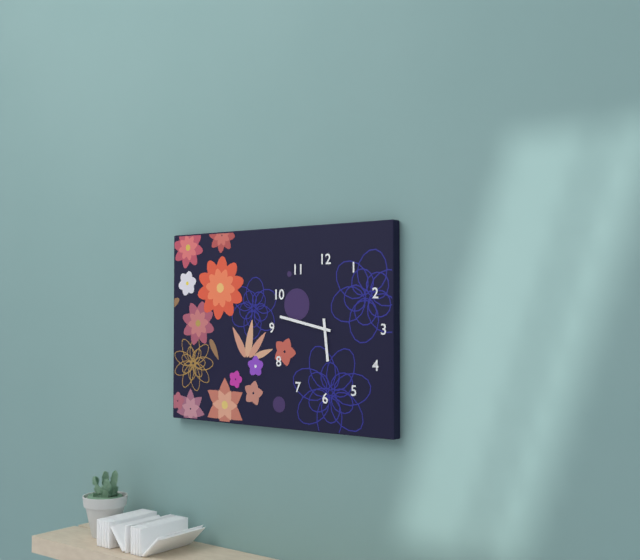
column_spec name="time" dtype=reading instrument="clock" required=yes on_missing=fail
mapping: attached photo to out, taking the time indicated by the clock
5:47
